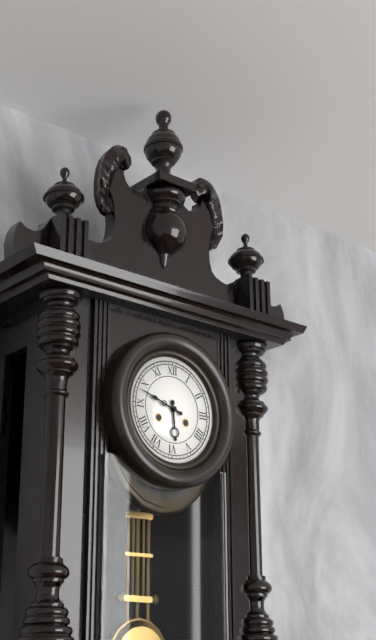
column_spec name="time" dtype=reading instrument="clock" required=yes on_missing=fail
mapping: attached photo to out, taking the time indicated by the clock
5:48
